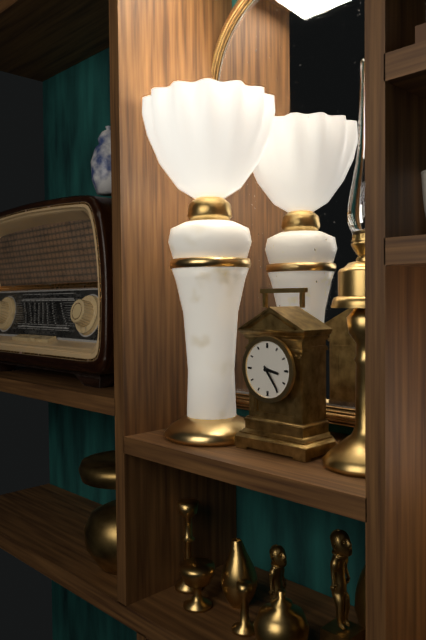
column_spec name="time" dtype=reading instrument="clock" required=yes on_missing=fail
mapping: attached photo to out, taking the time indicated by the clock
3:24
